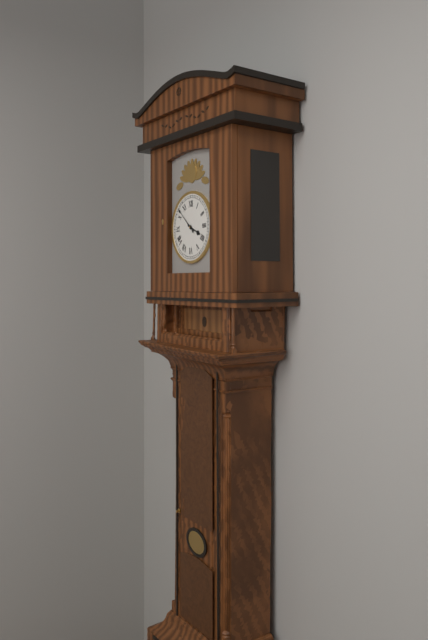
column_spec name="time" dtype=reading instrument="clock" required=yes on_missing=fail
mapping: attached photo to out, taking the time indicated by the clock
3:52
